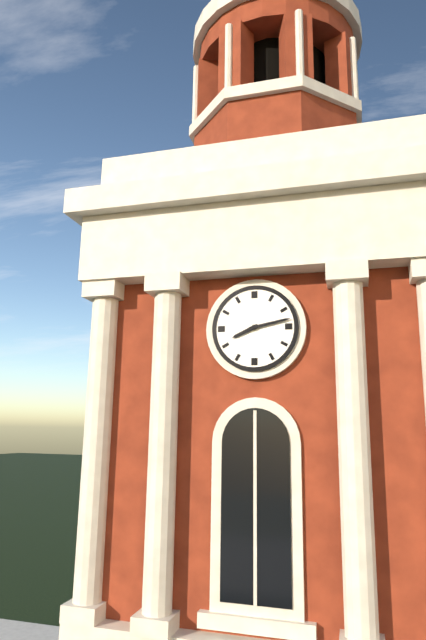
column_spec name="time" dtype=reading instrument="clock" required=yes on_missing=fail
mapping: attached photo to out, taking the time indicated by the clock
8:13
